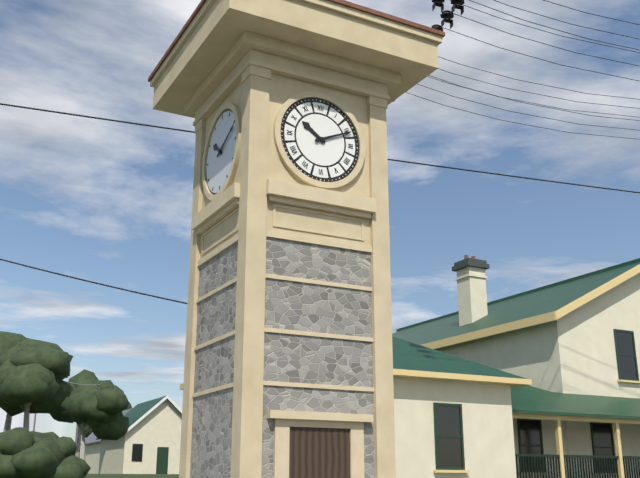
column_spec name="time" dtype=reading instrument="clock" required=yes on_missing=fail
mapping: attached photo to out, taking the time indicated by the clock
10:11
